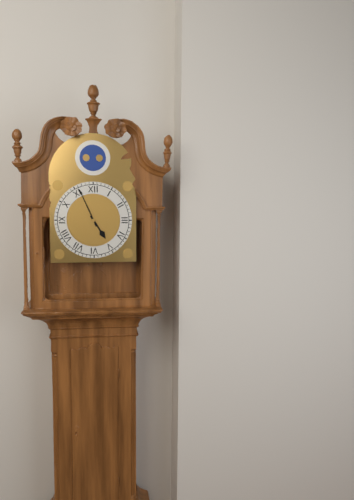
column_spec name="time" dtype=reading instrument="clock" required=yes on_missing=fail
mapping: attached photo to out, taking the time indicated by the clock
4:56
